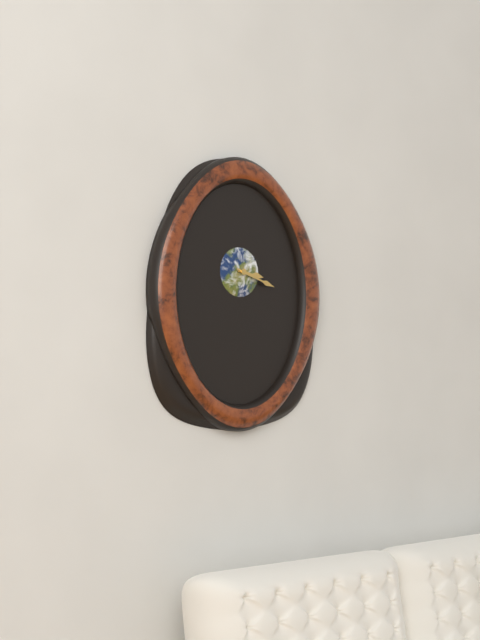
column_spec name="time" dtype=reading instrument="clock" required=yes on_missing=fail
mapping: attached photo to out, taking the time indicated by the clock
3:18
